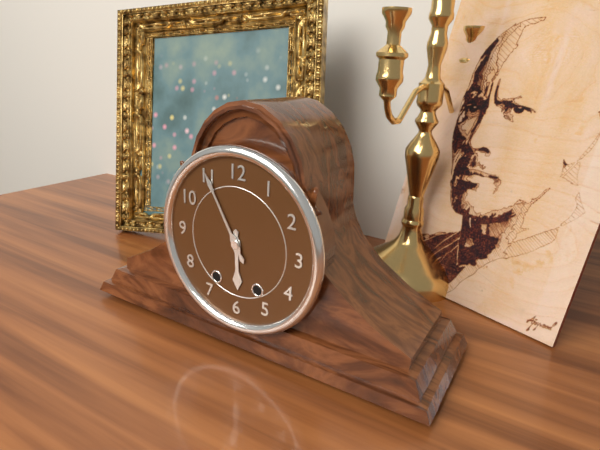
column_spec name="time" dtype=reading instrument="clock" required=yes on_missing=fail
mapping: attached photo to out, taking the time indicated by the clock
5:55
